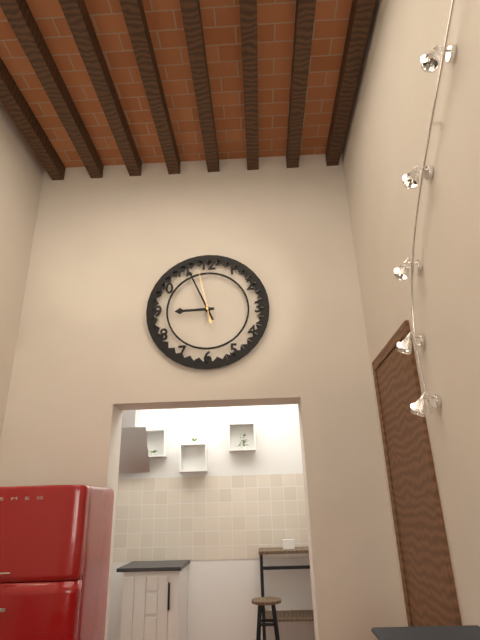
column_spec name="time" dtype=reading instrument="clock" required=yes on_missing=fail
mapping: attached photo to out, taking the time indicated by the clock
8:56:58
